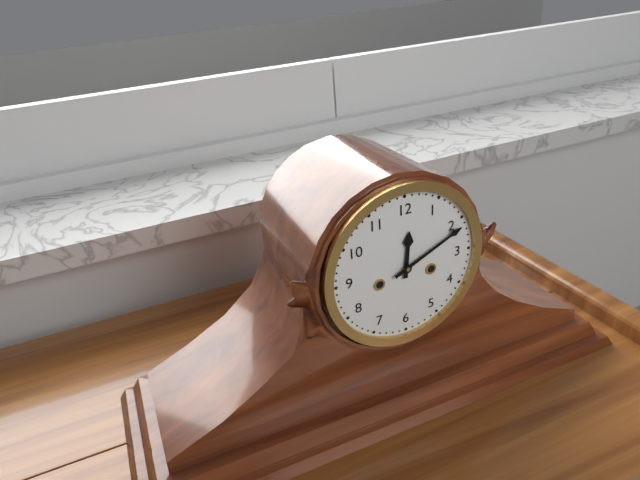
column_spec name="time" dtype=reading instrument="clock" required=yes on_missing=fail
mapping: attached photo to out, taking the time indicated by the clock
12:11
